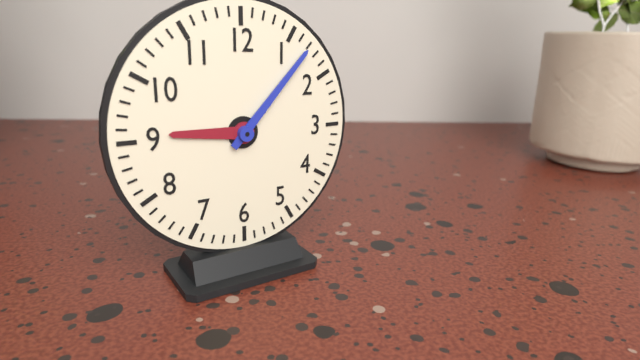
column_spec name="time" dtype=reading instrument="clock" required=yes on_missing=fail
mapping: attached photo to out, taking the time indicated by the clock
9:07
